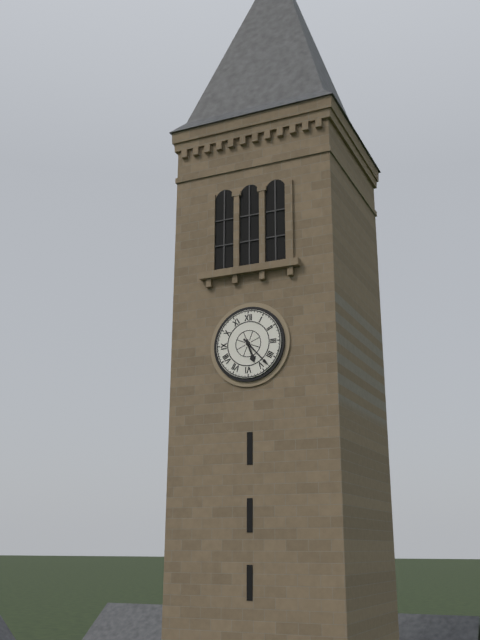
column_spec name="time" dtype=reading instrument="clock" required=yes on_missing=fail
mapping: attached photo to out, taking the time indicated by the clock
5:23
